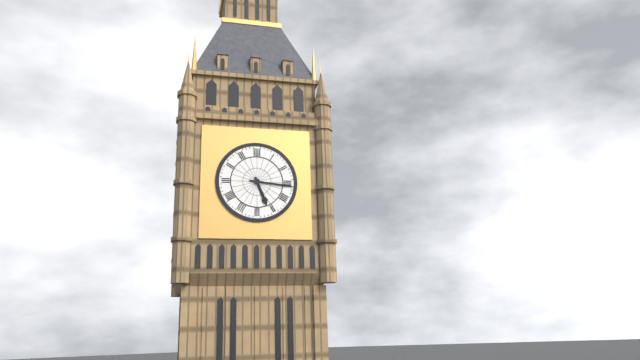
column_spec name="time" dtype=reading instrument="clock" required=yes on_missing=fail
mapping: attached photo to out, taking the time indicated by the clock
5:16
